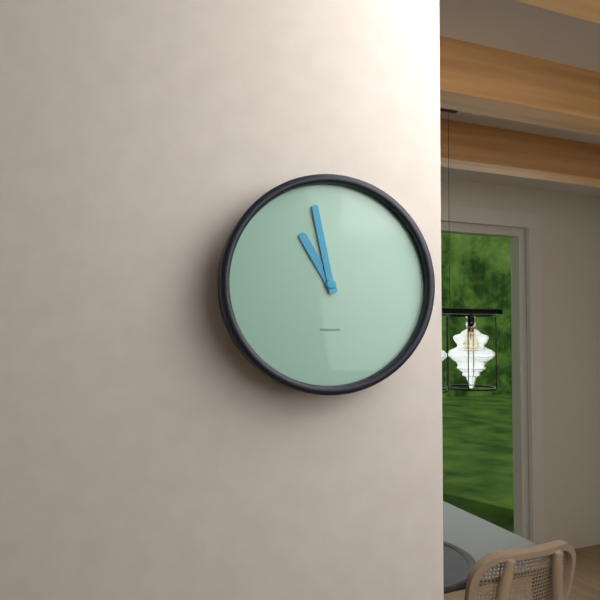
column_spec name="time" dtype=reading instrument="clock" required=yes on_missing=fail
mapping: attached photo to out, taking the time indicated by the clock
10:58
